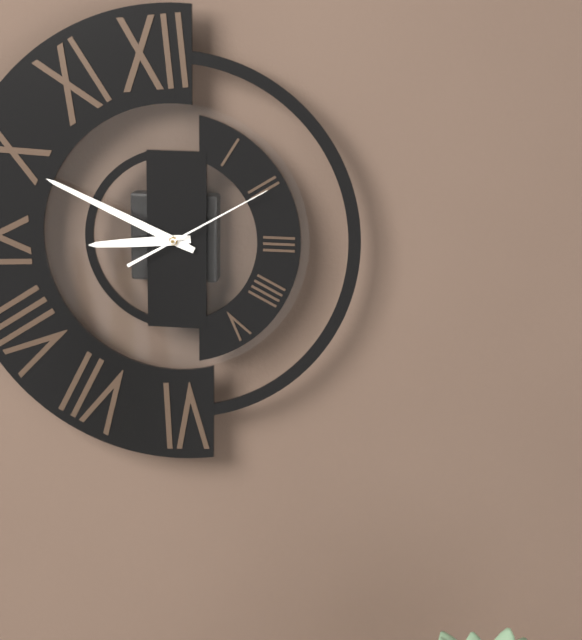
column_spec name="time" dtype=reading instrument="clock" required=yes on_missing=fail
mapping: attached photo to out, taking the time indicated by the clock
8:49:10
